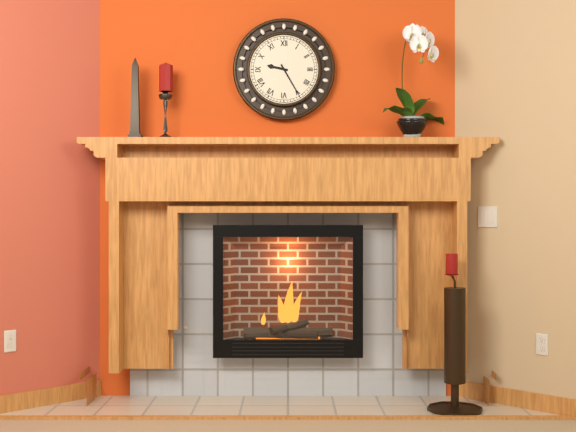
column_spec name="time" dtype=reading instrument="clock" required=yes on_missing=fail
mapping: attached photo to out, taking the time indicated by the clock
9:25
